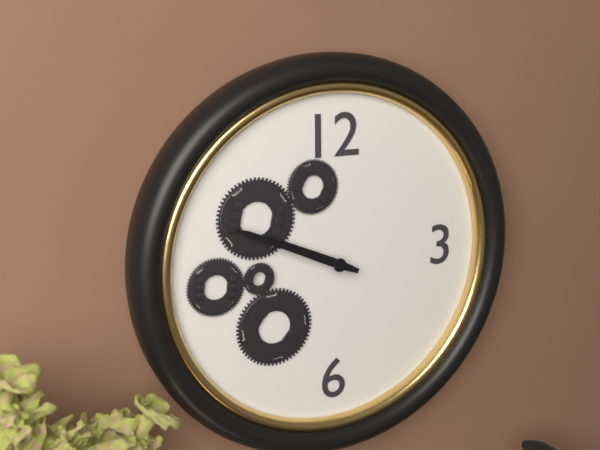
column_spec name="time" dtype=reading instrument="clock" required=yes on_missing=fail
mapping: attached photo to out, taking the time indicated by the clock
9:49
